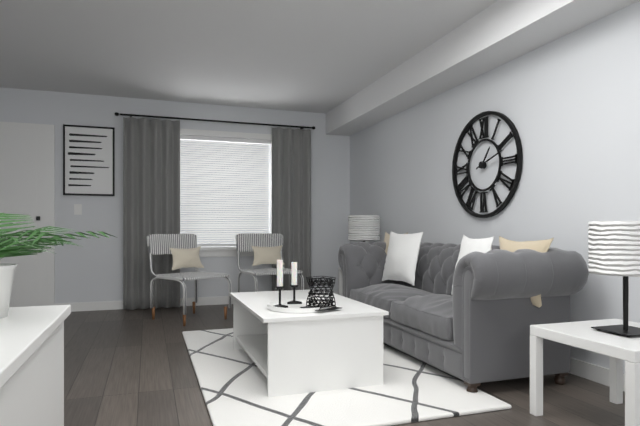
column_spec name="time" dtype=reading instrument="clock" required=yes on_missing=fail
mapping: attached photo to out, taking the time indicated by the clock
1:12
